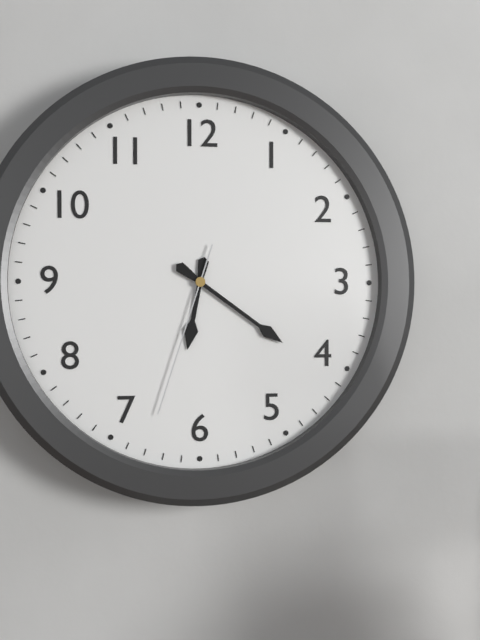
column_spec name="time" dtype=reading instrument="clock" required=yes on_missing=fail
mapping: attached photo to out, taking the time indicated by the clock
6:21:33
